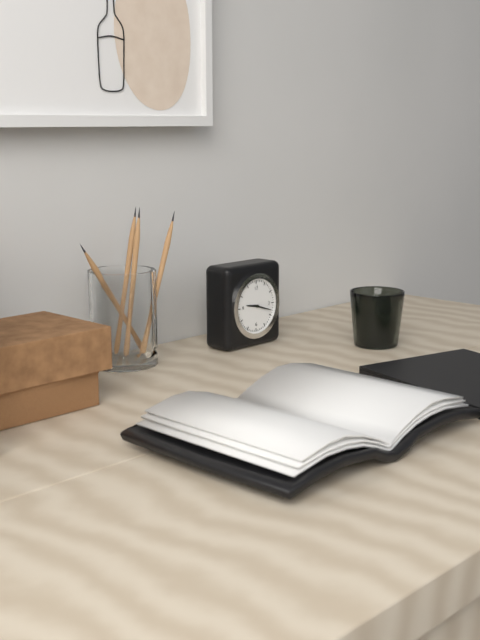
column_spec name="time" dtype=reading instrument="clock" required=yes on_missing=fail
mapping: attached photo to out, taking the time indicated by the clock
9:18
